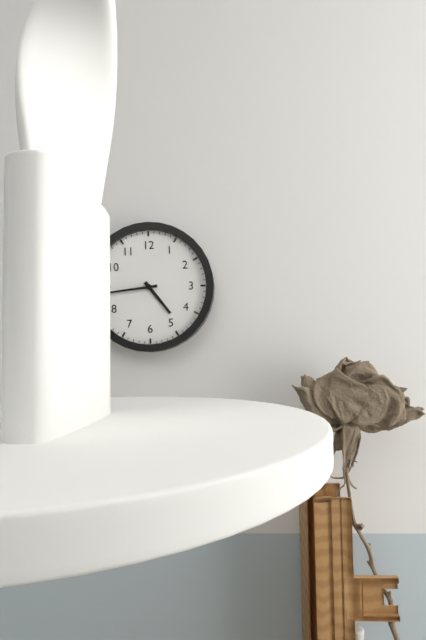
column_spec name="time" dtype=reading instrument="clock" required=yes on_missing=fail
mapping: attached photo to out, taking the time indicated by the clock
4:44
